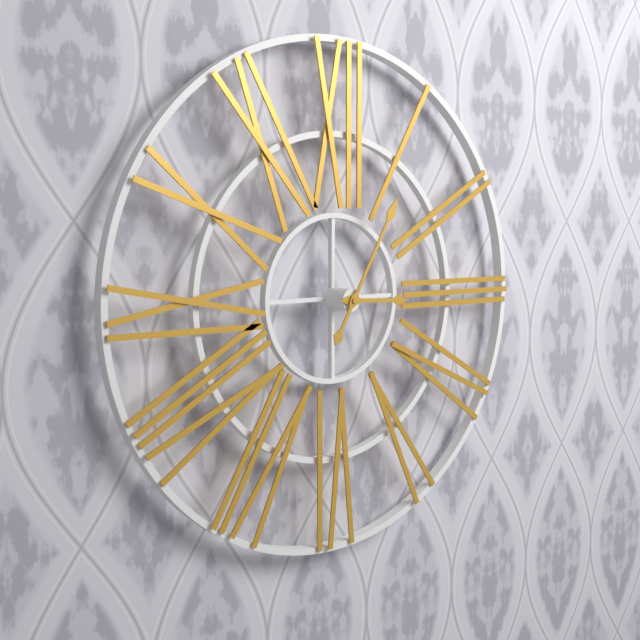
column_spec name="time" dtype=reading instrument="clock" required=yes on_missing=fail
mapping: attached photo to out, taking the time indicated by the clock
3:05
